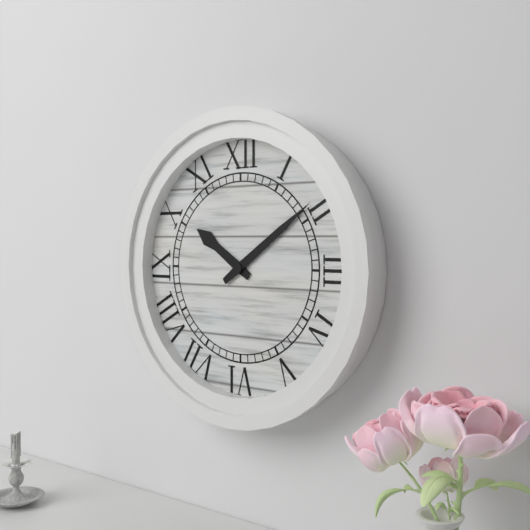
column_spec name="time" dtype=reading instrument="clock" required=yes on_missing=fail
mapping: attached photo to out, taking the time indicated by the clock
10:09
